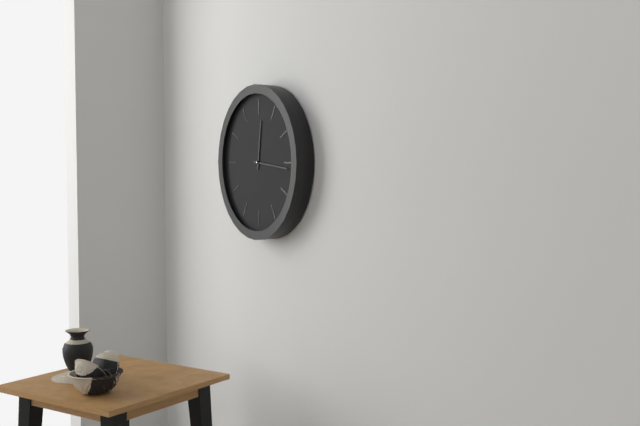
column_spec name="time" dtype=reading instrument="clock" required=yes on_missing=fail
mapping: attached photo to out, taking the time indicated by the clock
12:16
